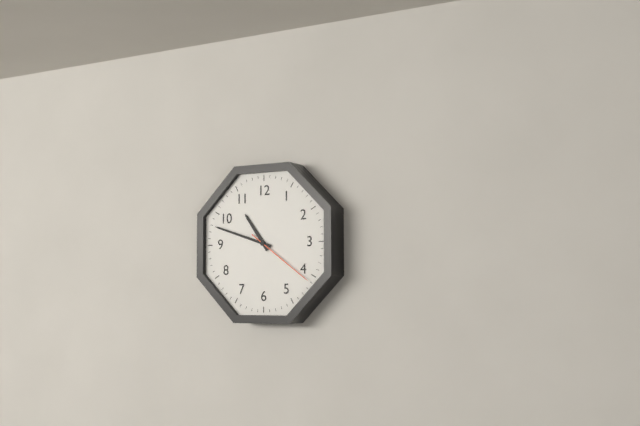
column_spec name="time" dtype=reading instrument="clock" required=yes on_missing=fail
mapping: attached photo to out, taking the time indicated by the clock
10:48:21
